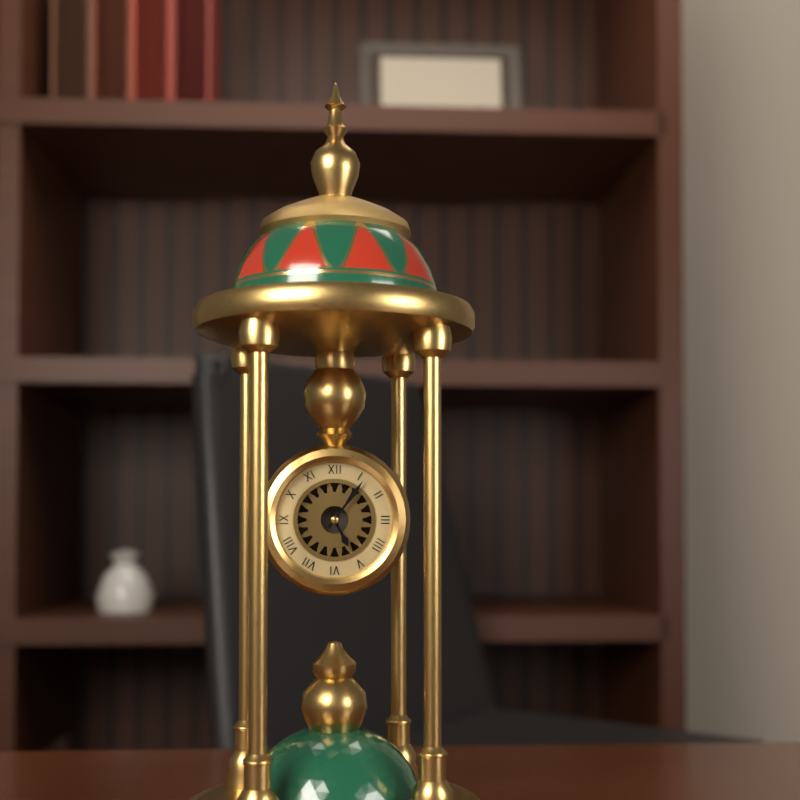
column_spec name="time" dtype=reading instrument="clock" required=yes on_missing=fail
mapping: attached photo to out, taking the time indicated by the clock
5:06
